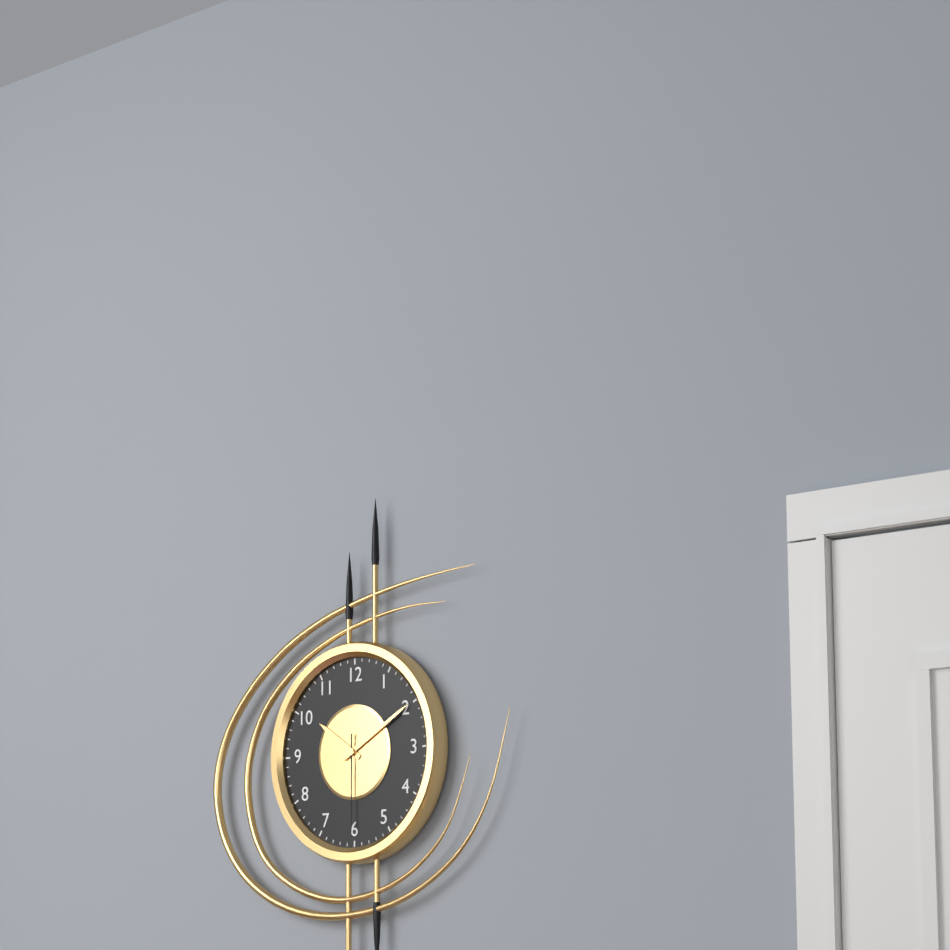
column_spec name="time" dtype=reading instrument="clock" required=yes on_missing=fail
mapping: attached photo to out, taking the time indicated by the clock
10:10:30
